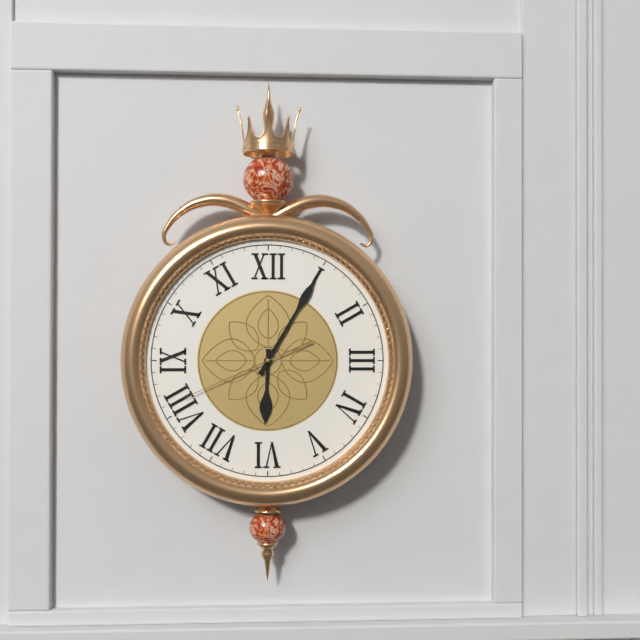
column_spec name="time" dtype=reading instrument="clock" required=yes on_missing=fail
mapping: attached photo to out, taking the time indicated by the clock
6:05:41
